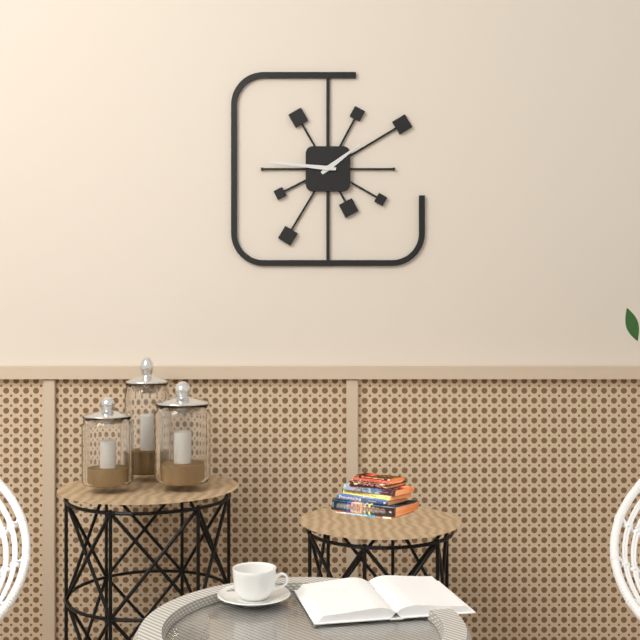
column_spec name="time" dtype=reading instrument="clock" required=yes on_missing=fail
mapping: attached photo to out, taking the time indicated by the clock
1:46
